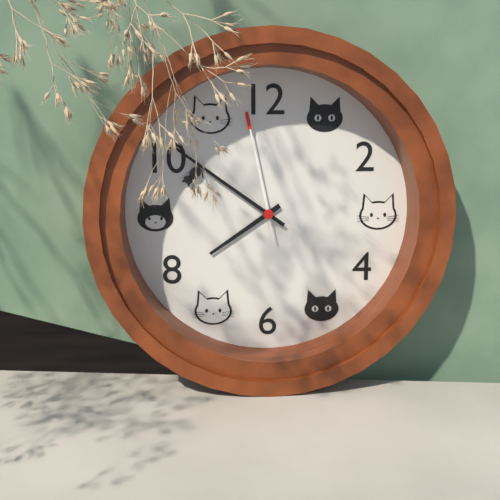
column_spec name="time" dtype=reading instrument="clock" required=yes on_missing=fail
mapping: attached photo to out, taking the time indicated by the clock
7:51:58
